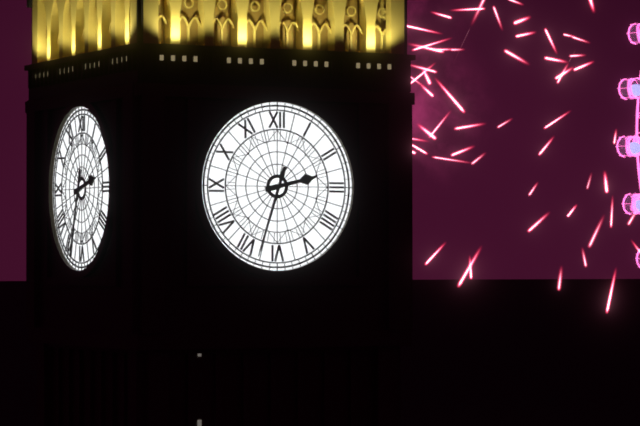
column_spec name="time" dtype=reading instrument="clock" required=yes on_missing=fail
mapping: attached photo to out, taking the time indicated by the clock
2:33
